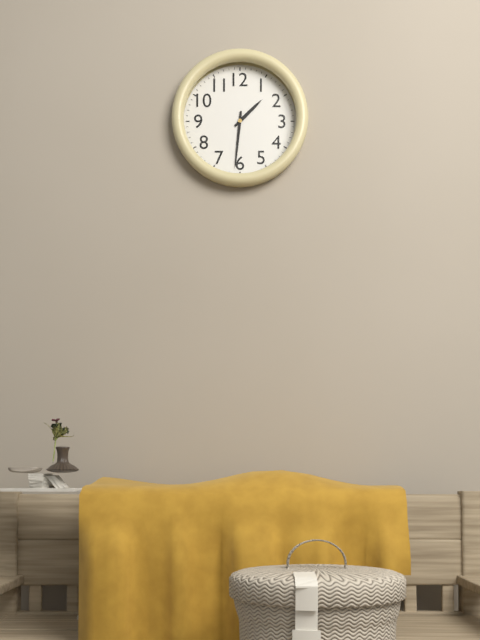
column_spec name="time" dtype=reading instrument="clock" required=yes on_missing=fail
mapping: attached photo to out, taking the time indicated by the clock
1:31
